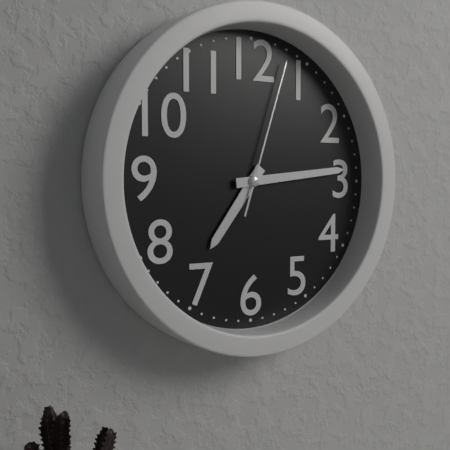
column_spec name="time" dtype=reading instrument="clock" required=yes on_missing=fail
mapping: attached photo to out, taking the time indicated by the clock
7:14:03
